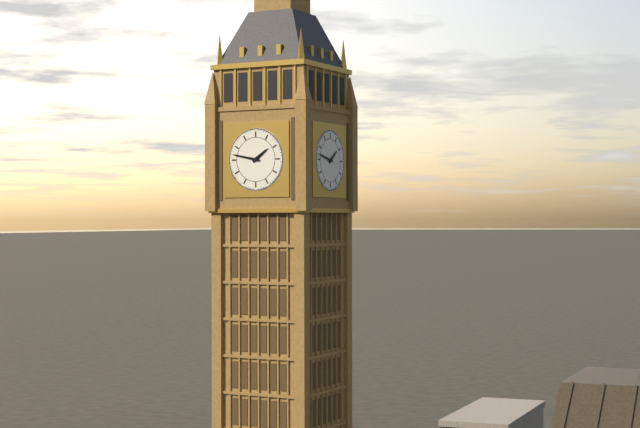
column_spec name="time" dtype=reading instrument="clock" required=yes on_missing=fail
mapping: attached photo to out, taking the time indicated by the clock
1:47
